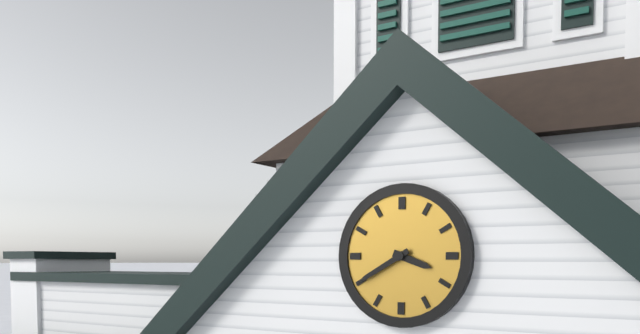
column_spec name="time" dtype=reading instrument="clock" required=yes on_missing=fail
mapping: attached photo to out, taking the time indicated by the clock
3:40
